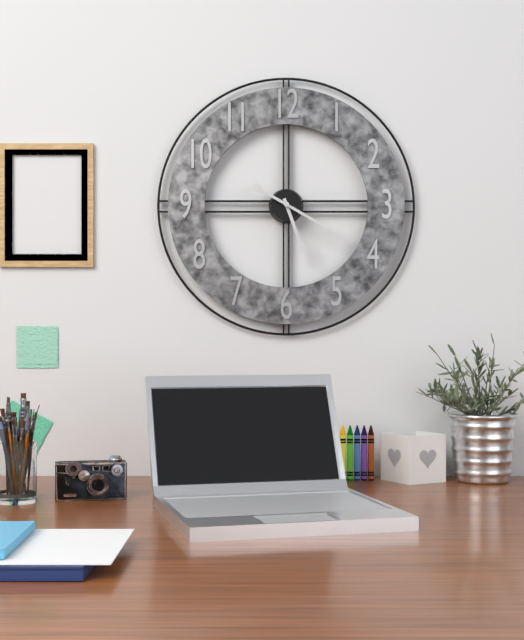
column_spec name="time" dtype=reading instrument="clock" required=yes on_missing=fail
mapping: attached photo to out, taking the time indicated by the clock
5:20
